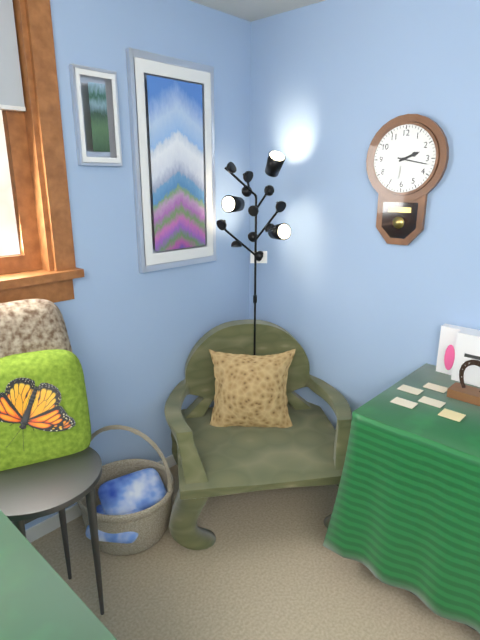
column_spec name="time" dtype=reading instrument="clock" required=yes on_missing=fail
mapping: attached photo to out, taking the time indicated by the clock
2:17
